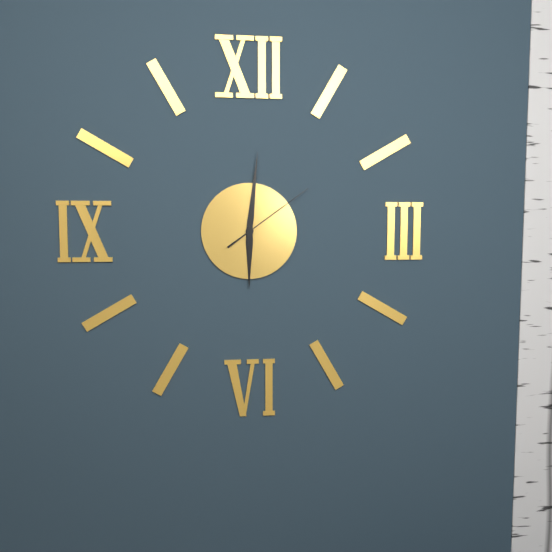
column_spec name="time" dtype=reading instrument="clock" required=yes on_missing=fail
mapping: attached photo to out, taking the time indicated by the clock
6:01:09
